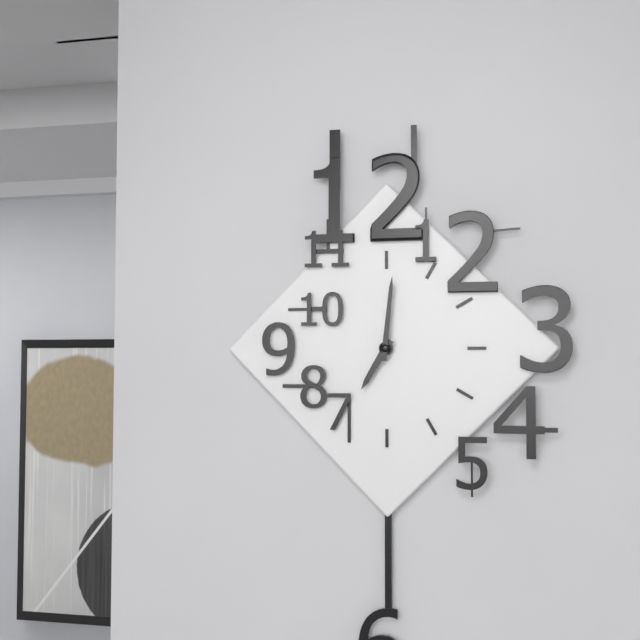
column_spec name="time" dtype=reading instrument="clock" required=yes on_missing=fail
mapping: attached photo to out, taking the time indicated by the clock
7:01
